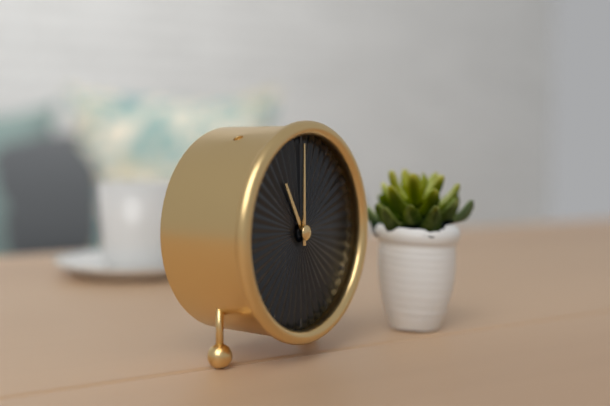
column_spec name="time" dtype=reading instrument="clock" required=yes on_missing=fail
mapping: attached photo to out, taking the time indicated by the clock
11:00
